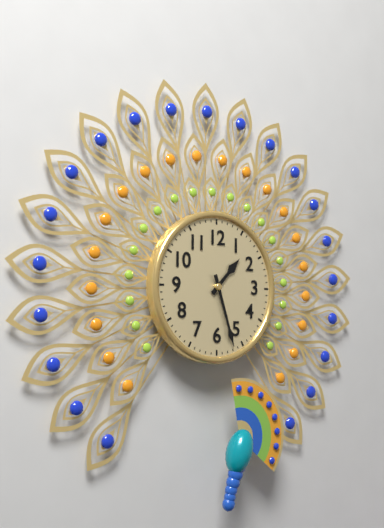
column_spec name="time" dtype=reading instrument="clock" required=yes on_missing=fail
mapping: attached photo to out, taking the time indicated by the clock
1:27
